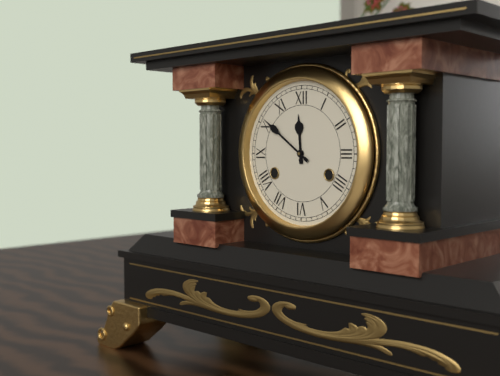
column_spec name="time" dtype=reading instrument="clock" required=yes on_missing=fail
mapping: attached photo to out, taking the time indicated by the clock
11:51
